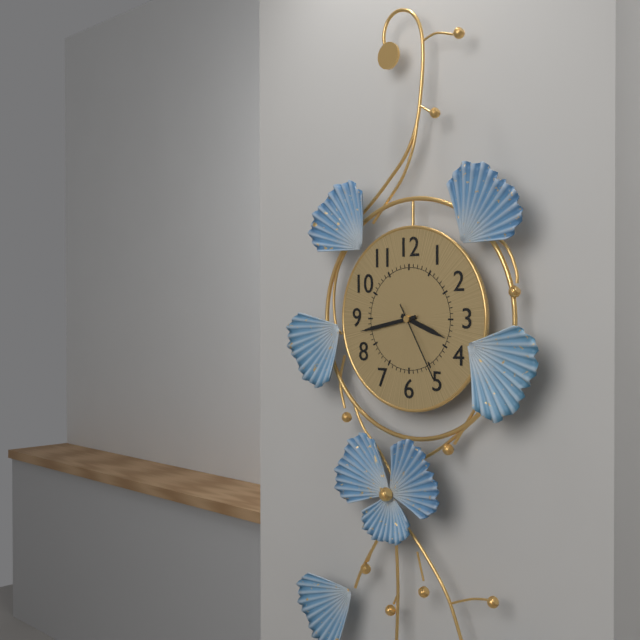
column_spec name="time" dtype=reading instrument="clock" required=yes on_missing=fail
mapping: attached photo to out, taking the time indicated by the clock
3:43:25
